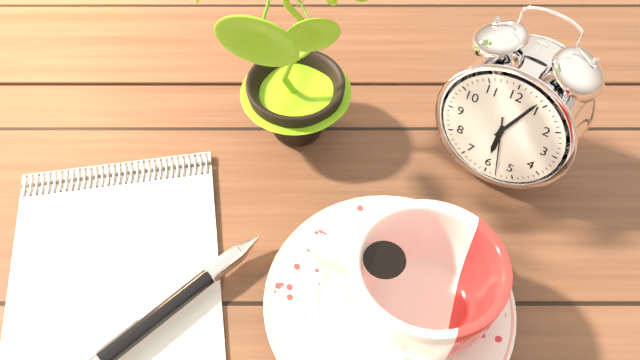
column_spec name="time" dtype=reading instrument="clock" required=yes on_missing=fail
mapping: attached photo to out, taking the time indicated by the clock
6:04:28
